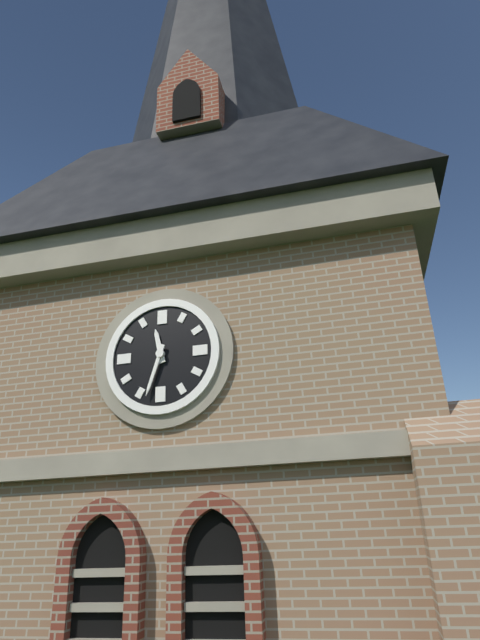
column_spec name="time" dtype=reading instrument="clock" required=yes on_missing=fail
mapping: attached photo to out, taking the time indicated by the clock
11:33
